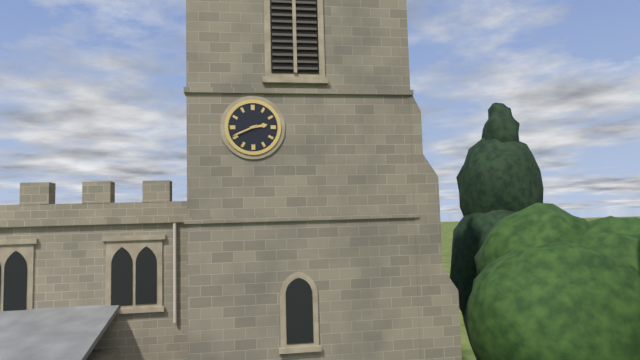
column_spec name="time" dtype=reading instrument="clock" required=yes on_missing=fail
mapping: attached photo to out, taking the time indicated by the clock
2:41
